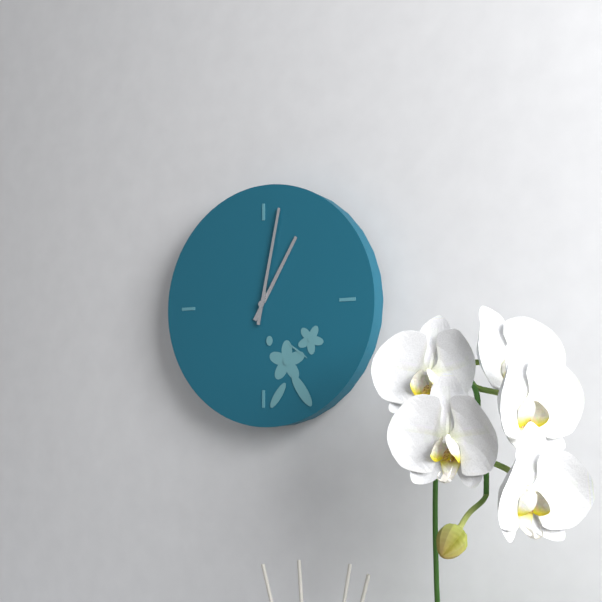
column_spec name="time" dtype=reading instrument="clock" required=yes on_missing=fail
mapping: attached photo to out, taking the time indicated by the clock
1:02
